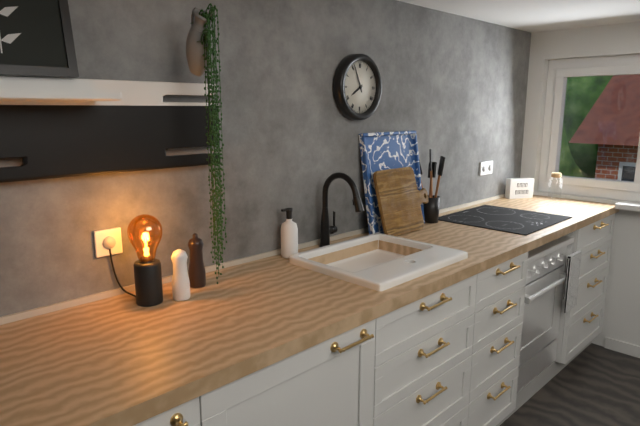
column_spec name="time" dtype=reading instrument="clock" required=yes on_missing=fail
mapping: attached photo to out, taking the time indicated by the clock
7:56
